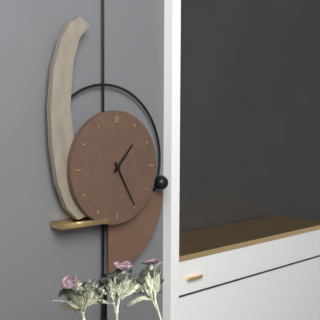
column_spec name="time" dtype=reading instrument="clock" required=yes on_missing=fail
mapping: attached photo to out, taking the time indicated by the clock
1:25
